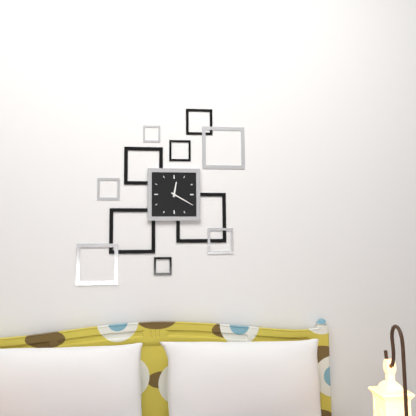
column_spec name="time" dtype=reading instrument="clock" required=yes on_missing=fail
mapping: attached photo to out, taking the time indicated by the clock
12:20
